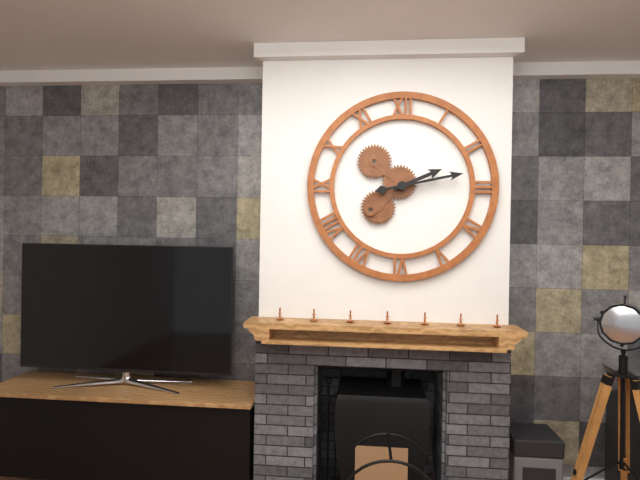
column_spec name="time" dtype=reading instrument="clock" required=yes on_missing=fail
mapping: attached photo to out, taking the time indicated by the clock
2:13
